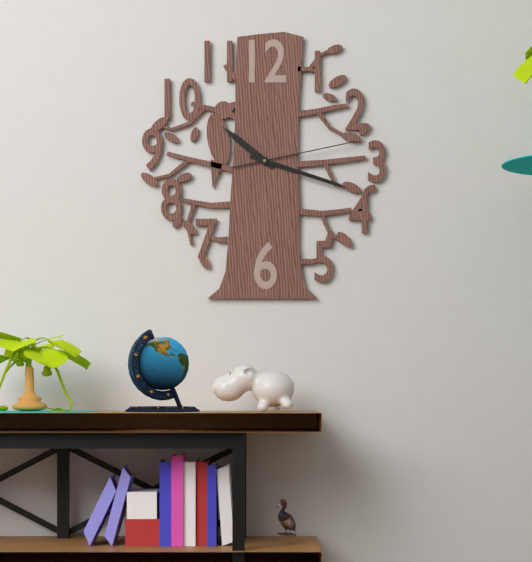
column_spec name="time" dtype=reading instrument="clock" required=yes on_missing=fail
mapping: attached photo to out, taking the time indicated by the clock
10:18:13
